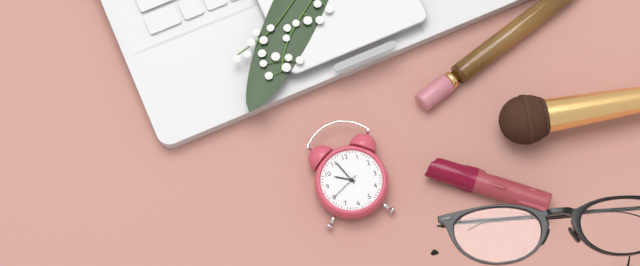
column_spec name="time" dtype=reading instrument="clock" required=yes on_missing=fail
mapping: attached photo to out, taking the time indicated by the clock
9:56
